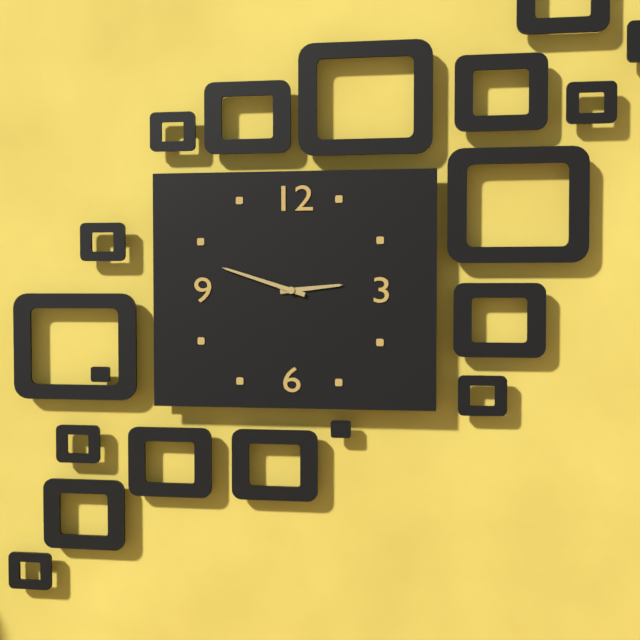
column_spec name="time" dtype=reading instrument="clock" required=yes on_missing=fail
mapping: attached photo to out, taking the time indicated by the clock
2:48
